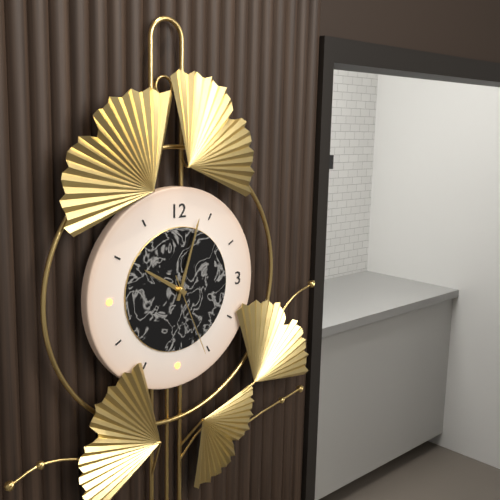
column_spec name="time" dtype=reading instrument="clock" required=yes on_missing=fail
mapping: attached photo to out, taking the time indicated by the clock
10:03:26
